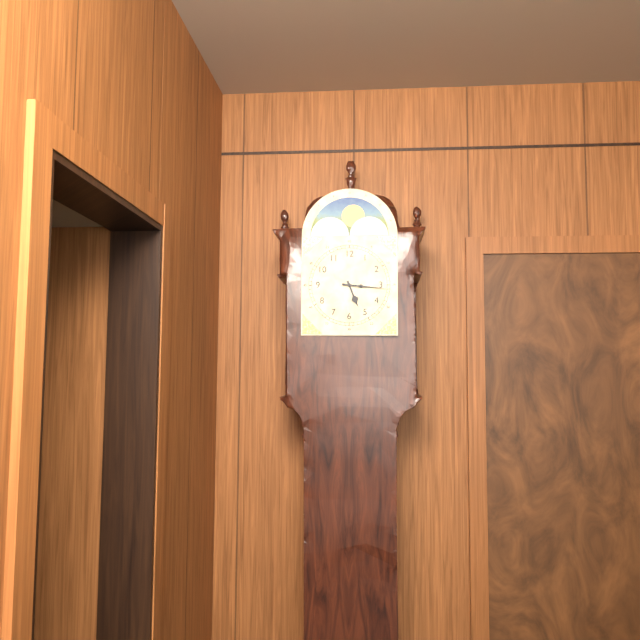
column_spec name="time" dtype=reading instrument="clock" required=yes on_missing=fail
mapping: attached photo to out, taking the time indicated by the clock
5:16
